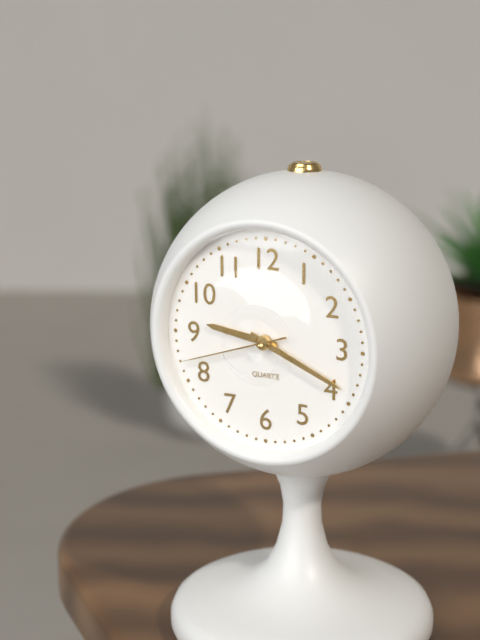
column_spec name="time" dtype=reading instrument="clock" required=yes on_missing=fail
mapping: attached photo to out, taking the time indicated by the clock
9:19:42
